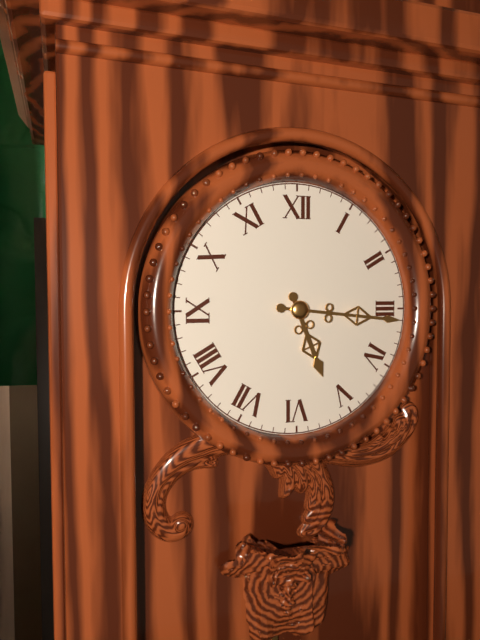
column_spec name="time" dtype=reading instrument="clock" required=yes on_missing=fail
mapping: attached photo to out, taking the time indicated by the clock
5:16
